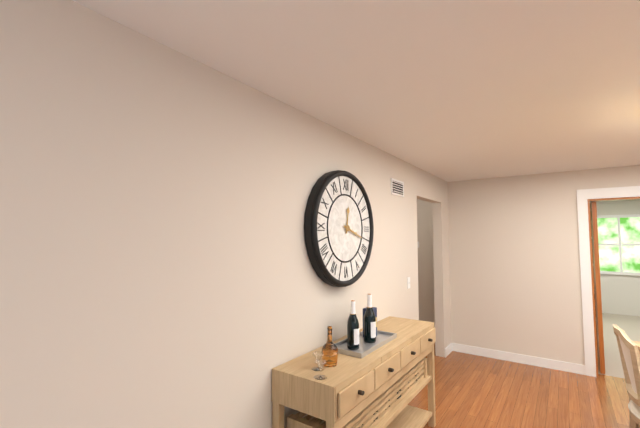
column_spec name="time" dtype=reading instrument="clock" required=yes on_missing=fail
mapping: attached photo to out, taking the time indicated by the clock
12:18
